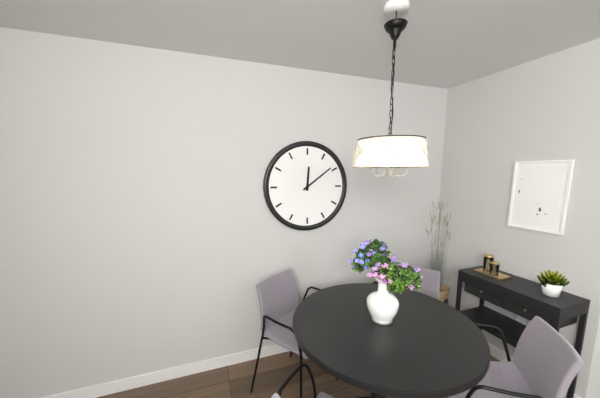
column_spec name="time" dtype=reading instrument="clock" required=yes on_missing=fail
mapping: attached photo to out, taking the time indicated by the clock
12:09
